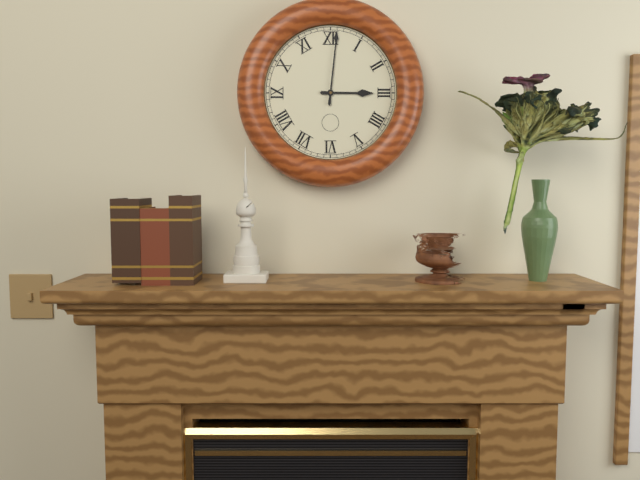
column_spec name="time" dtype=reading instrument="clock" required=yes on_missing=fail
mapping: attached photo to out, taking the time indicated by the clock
3:01
